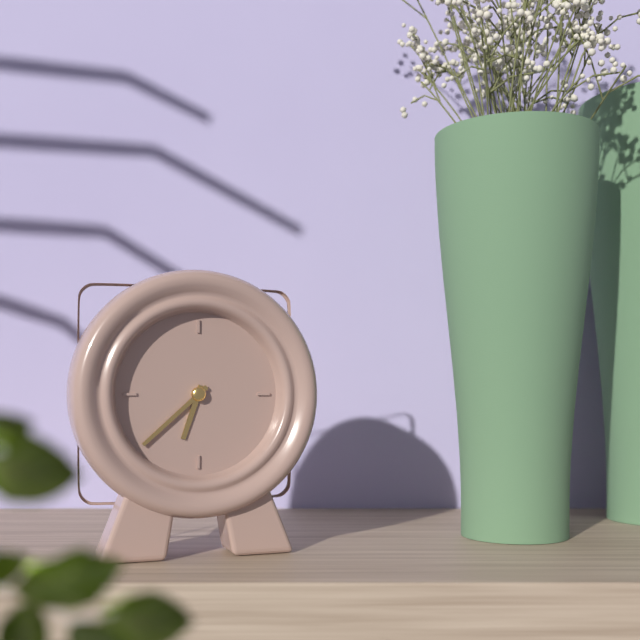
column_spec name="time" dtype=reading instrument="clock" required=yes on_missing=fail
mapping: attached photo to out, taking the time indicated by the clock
6:38
